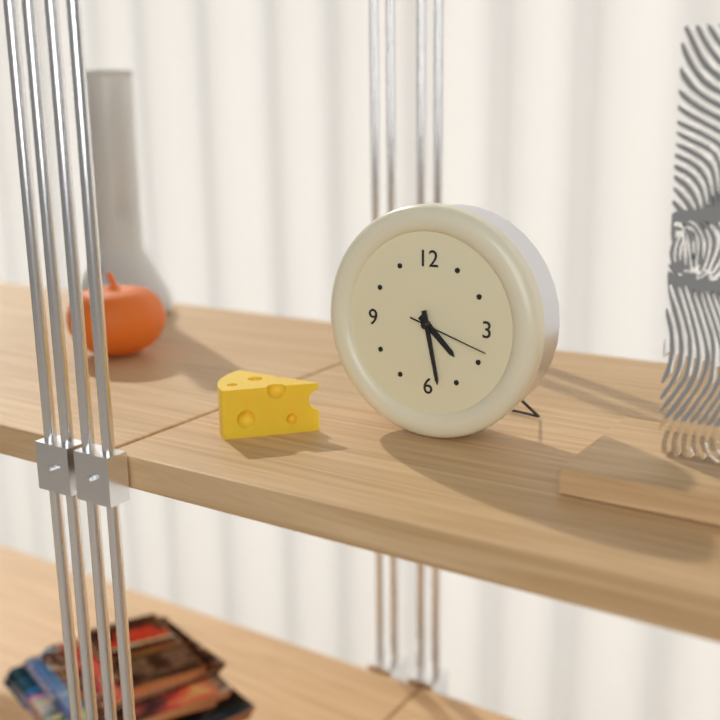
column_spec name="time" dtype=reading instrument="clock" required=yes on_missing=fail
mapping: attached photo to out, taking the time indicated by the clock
4:28:18
